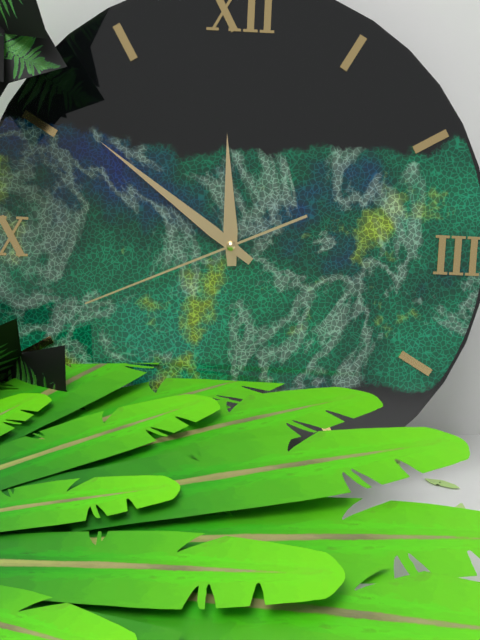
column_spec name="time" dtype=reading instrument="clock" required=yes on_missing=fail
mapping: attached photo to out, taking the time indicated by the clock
11:51:41
